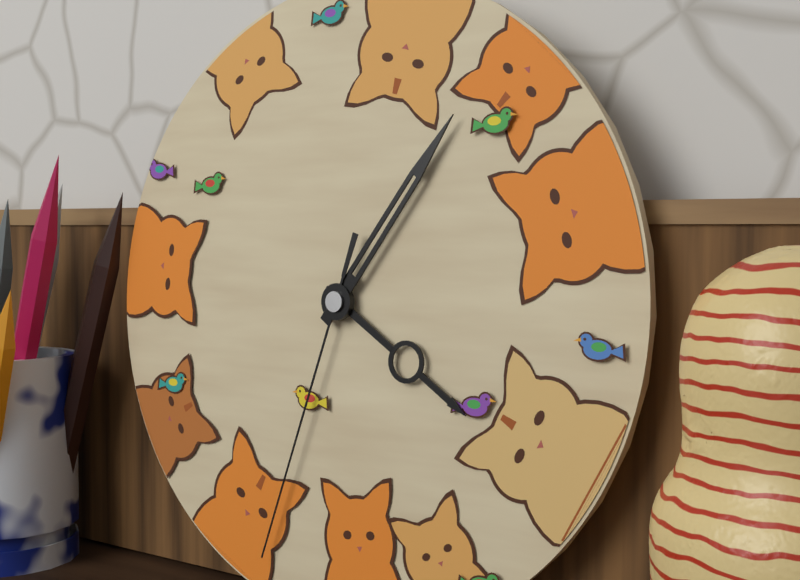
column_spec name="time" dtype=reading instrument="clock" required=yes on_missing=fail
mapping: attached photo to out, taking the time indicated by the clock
4:06:33
